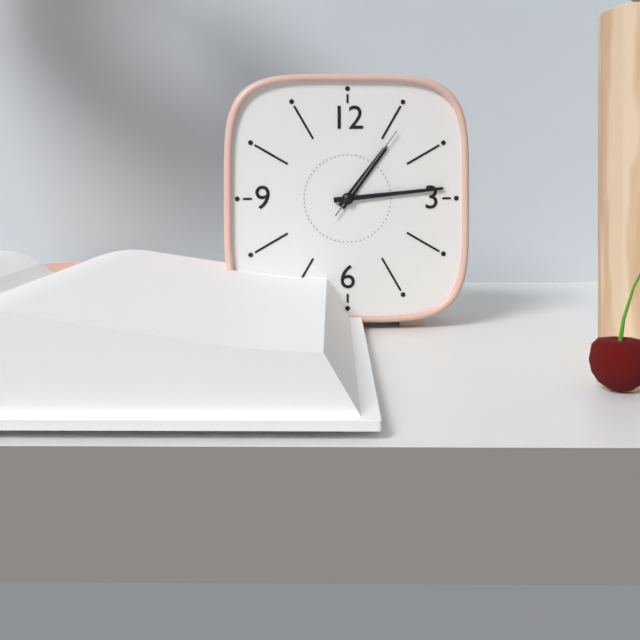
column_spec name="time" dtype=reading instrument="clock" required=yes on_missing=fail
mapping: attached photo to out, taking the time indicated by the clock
1:14:06
